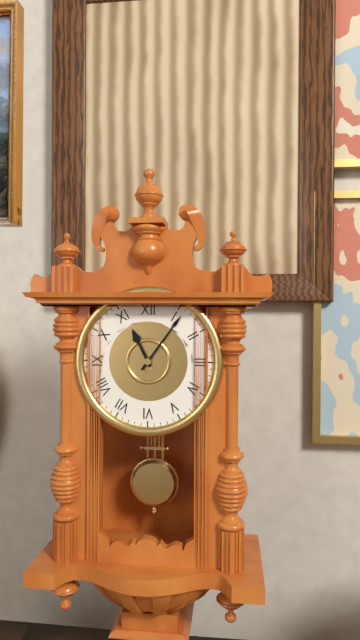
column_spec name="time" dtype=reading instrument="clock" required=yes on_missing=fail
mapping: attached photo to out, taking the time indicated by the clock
11:06
